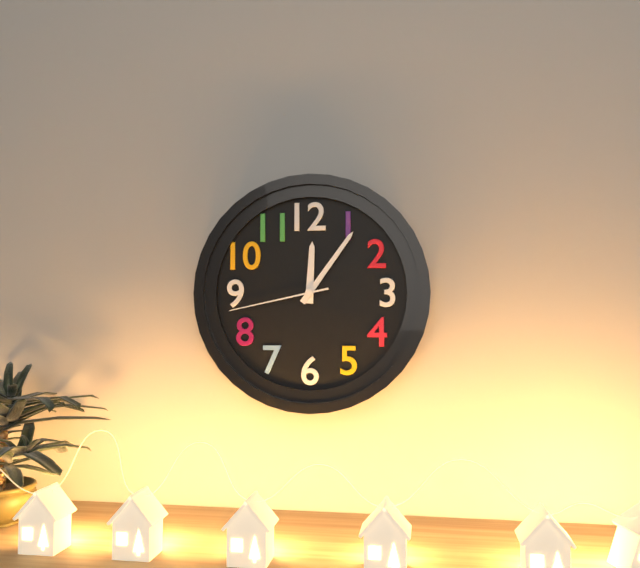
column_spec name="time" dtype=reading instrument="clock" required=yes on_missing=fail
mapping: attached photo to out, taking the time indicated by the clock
12:06:43
